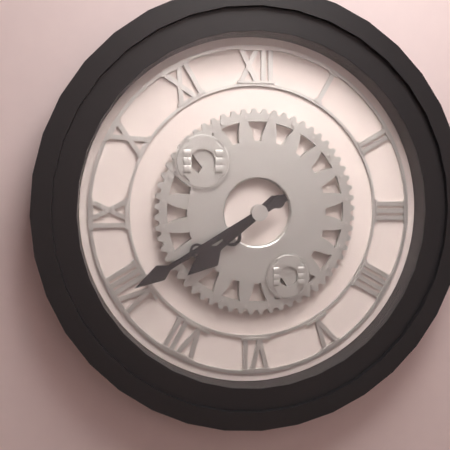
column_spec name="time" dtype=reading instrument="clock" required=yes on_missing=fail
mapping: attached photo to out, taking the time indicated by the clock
7:40
